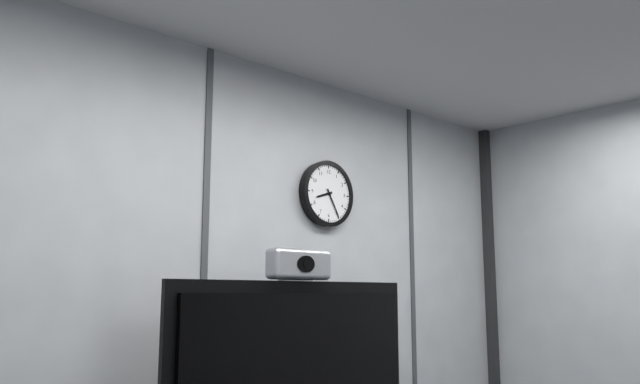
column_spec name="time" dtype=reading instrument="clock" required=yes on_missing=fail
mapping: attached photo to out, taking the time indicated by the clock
8:25
